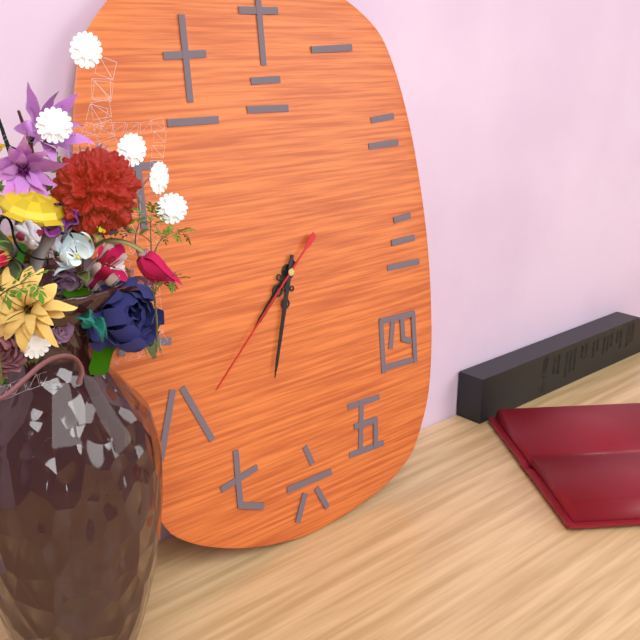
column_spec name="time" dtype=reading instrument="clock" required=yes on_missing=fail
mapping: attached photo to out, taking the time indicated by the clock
7:33:38
